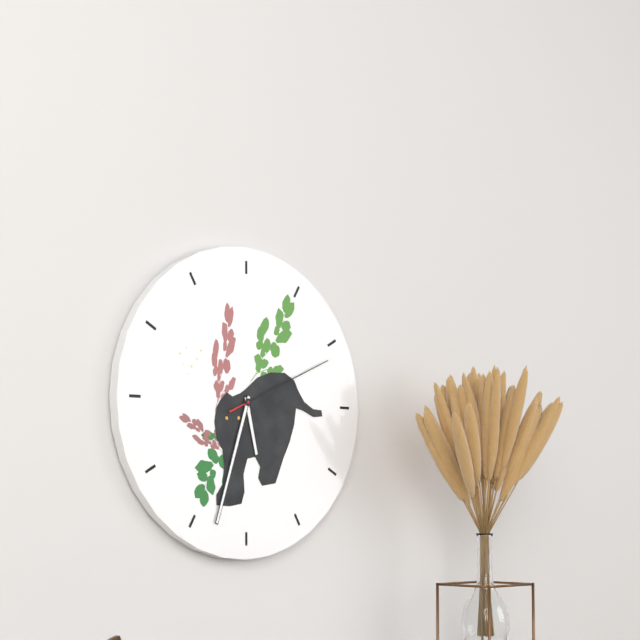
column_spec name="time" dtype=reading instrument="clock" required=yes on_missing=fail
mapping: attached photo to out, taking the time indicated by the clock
5:33:11
